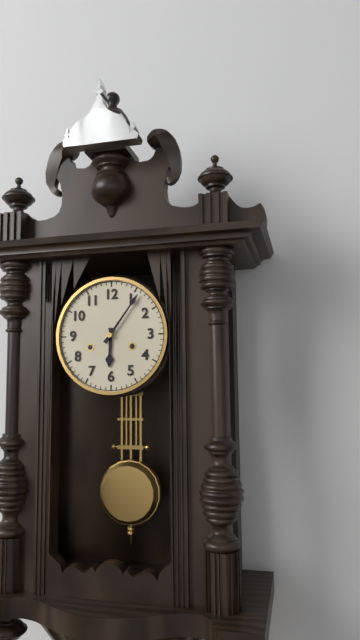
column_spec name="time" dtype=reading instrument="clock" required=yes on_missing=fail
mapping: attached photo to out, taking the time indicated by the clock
6:06
